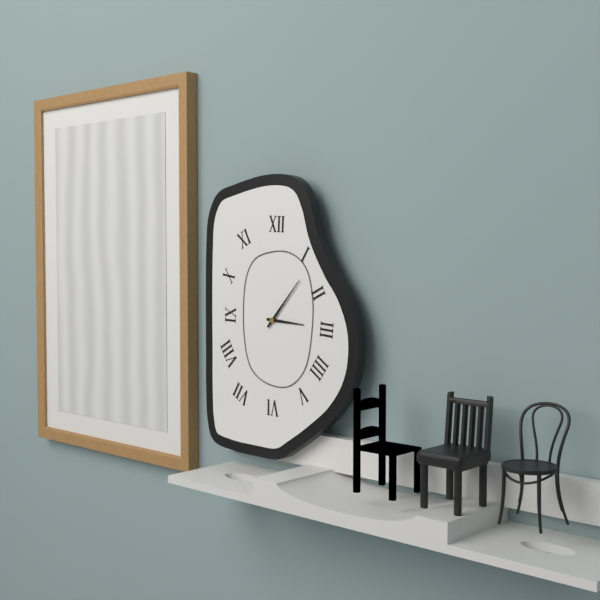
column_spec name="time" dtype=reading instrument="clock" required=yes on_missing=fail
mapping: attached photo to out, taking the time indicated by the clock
3:07
